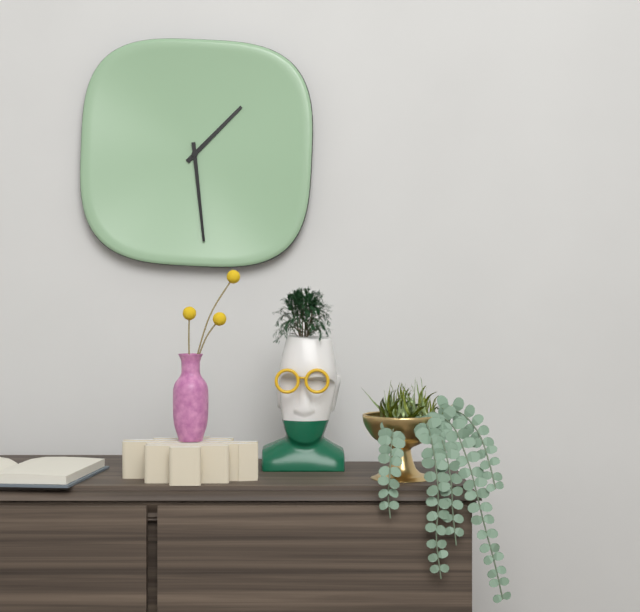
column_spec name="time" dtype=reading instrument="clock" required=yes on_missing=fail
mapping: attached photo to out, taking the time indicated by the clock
1:29
